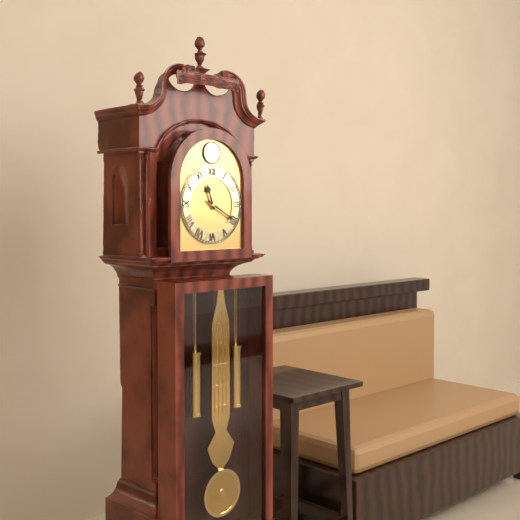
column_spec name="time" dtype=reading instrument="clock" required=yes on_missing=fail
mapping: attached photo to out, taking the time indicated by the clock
11:20
